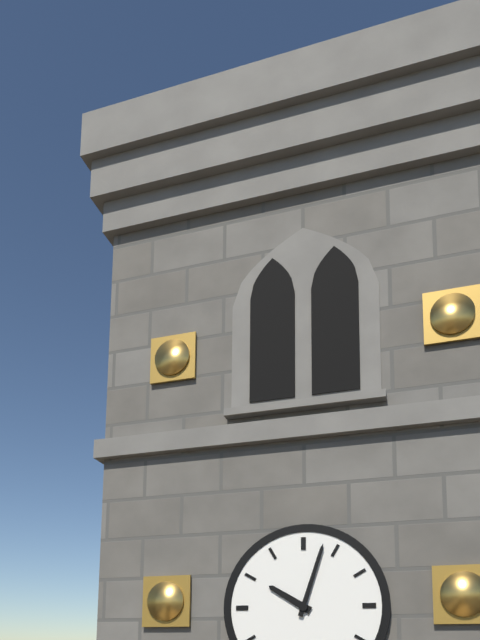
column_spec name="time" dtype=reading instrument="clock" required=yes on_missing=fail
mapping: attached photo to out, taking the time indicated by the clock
10:03
